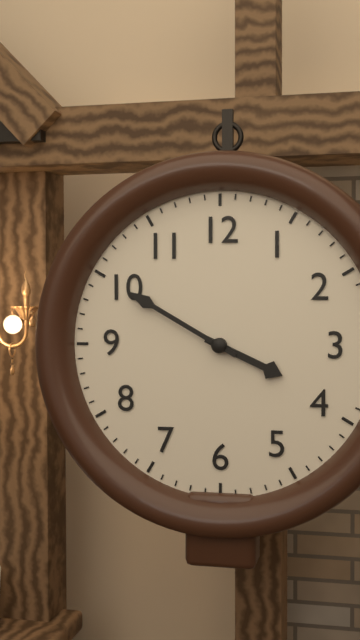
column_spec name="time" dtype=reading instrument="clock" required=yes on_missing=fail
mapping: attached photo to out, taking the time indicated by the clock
3:50
